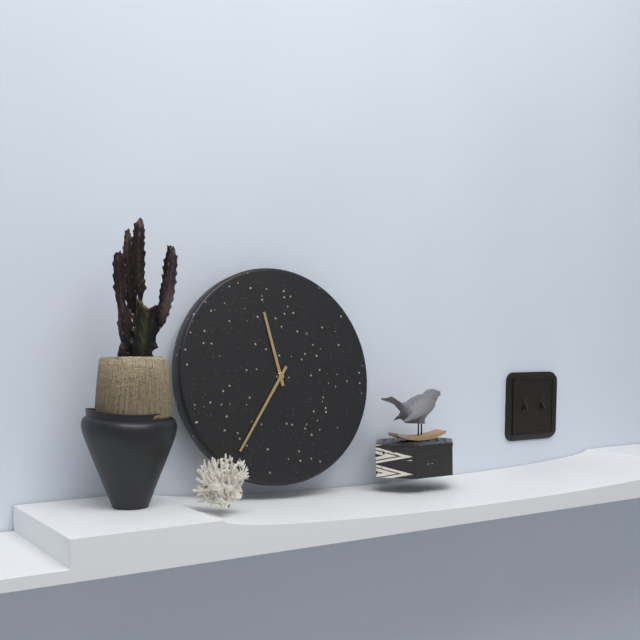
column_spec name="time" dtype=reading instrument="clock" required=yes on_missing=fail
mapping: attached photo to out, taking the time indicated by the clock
11:36
